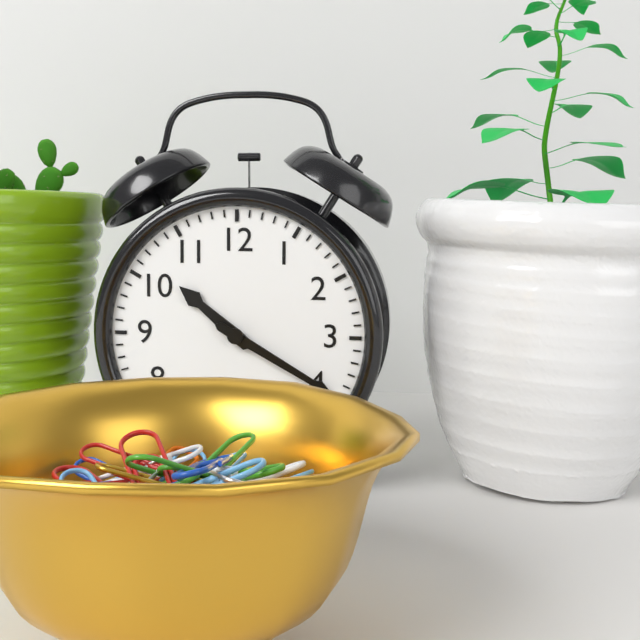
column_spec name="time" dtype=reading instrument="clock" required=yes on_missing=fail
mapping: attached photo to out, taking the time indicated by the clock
10:20
